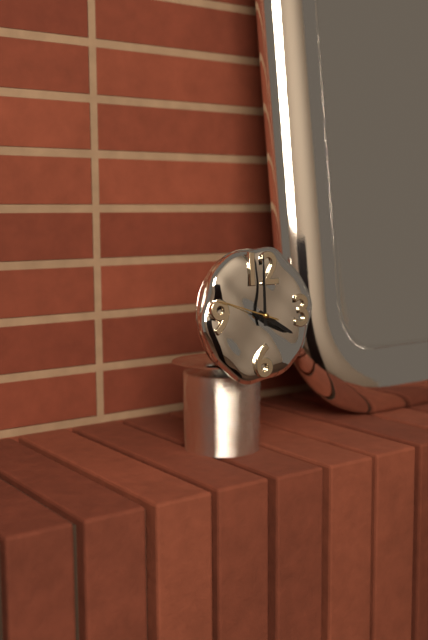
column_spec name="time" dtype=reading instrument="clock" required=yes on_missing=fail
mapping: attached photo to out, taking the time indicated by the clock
4:00:48
